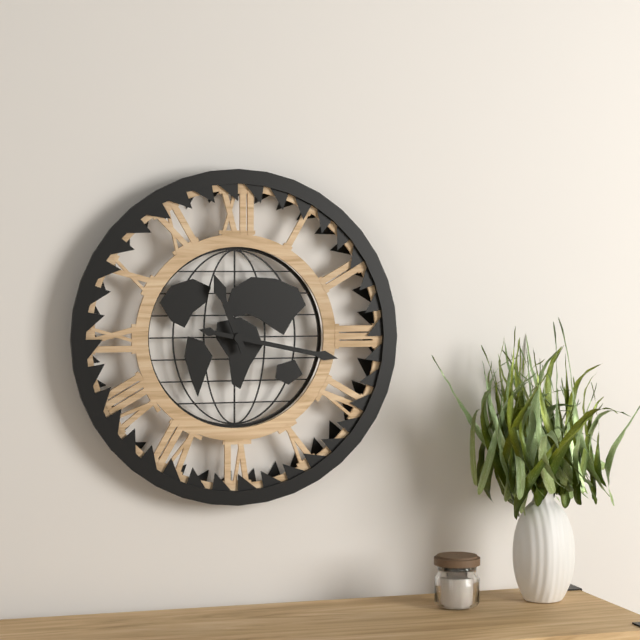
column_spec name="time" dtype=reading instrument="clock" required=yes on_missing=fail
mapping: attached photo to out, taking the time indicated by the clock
11:17
